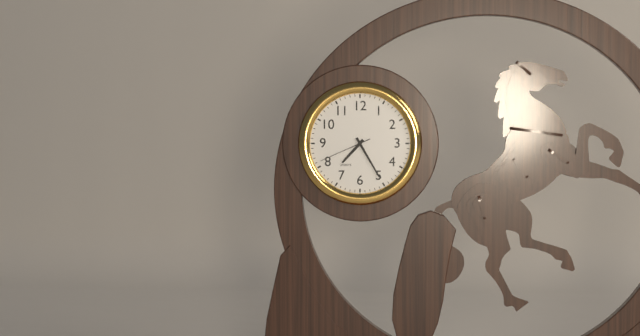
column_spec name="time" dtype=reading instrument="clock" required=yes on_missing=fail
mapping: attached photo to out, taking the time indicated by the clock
7:25:41
